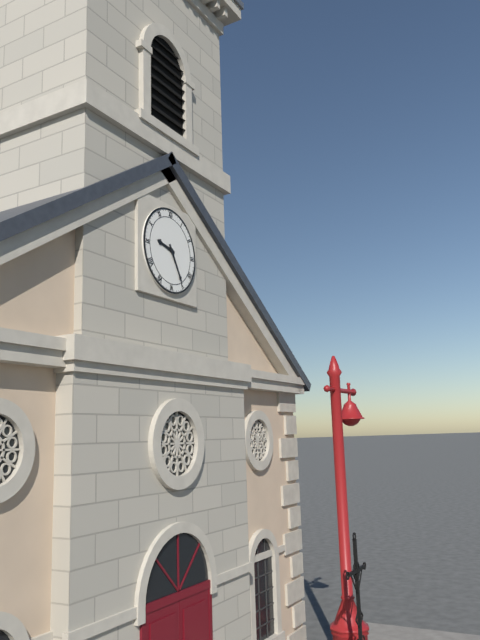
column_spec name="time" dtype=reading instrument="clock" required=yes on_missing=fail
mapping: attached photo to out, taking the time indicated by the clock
9:25
